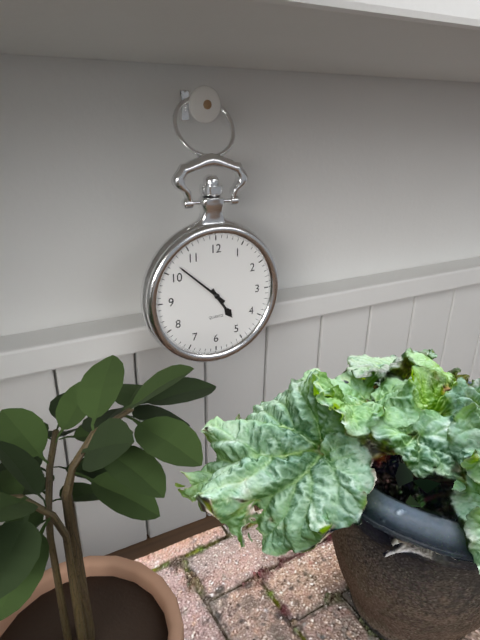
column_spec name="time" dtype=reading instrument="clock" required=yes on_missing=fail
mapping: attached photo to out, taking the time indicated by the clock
4:52
